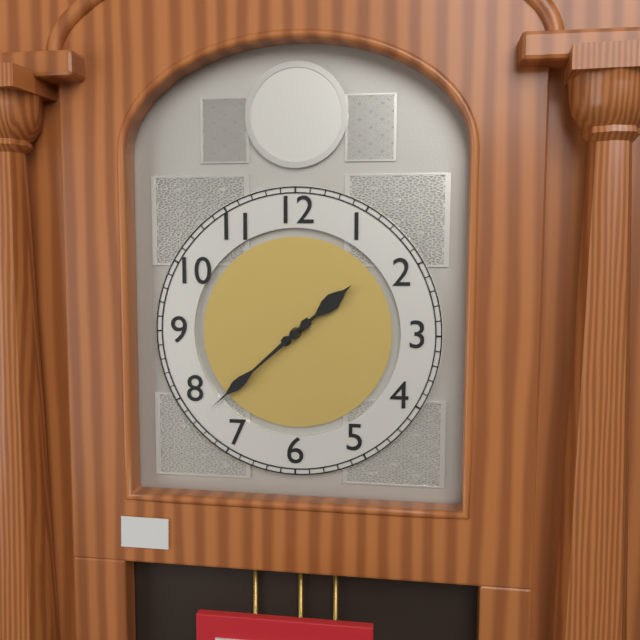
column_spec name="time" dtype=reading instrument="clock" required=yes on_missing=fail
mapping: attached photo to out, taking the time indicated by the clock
1:38
